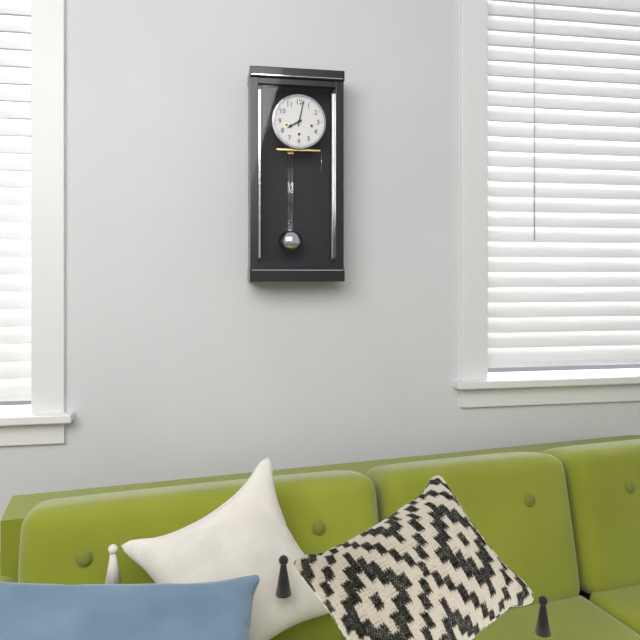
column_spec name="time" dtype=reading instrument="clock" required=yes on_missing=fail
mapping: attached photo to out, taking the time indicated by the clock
8:02
